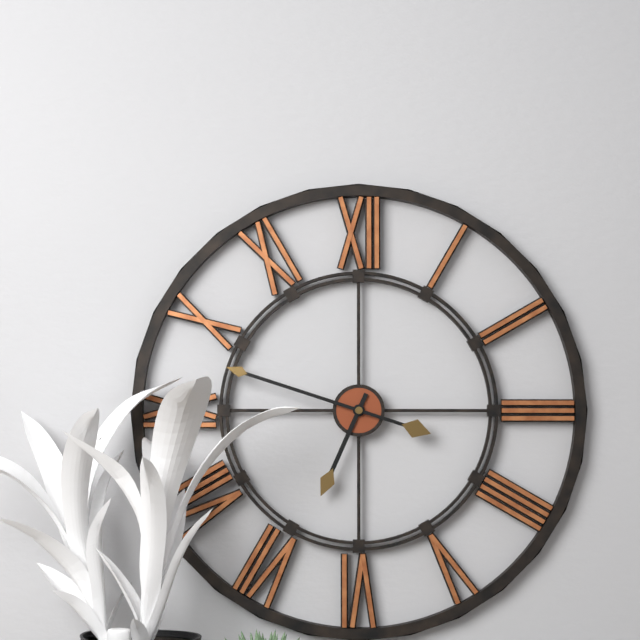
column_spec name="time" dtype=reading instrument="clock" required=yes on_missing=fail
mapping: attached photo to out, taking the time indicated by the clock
6:48
